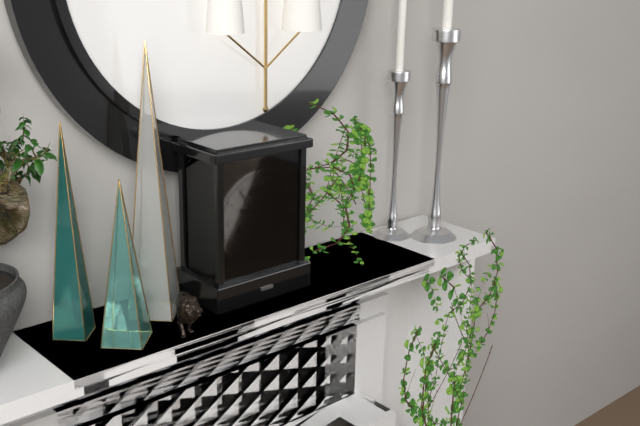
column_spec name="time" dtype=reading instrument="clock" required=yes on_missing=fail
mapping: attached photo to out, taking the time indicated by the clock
9:54
